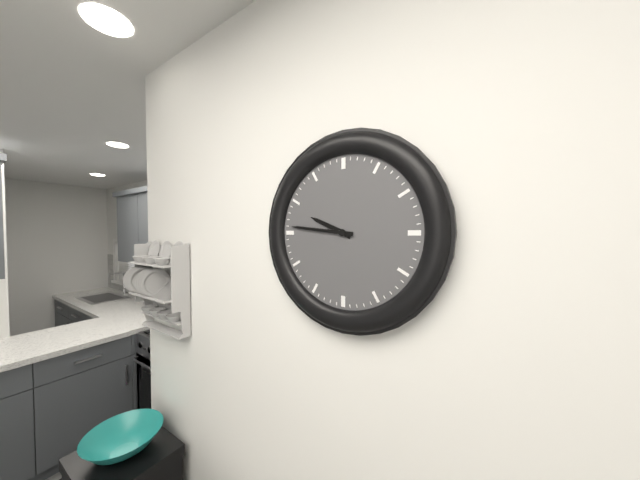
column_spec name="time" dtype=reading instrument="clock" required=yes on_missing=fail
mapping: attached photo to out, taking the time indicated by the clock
9:46
